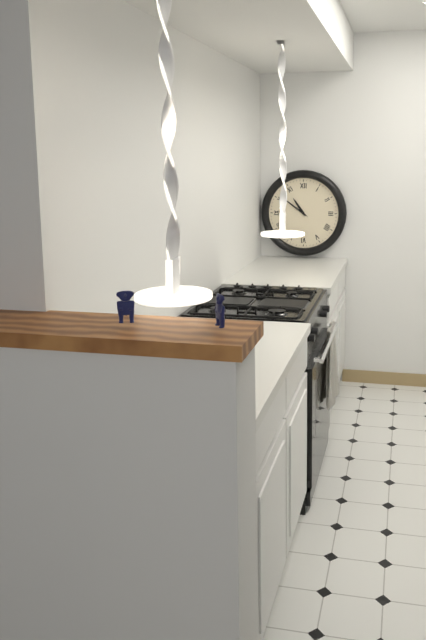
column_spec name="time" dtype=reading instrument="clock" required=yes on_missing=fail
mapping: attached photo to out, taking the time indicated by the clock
10:51
